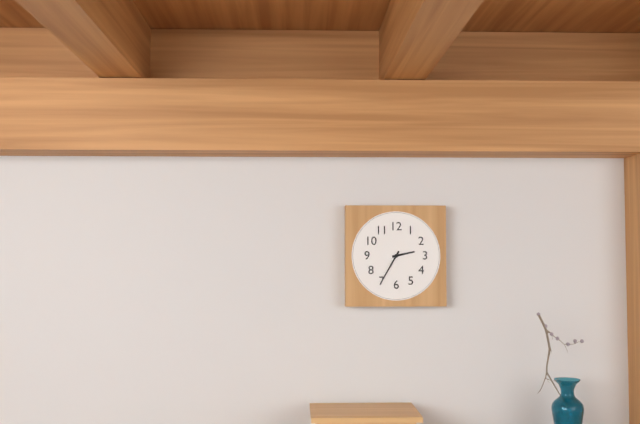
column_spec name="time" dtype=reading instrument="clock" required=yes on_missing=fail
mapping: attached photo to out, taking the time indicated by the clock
2:35
